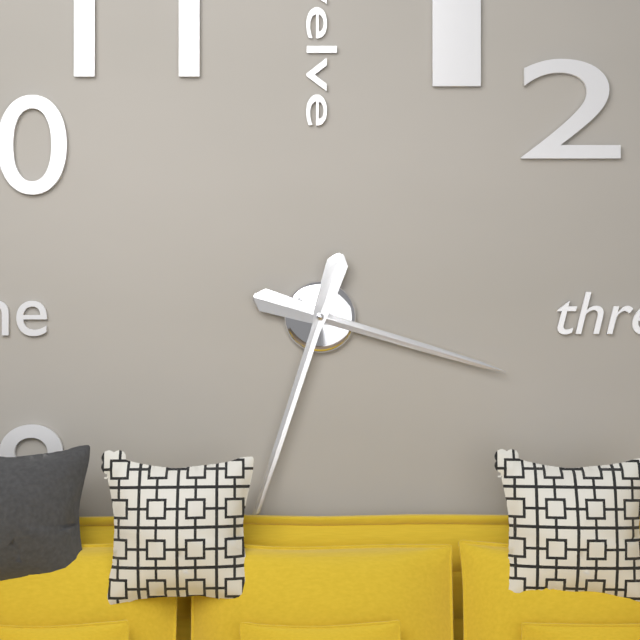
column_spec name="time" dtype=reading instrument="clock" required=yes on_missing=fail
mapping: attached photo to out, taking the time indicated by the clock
3:33
